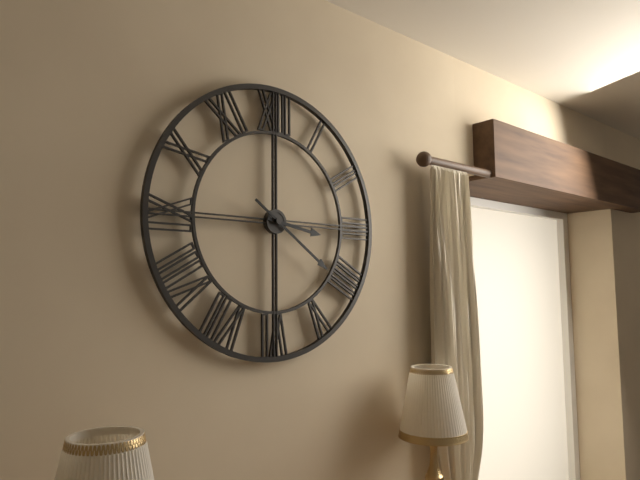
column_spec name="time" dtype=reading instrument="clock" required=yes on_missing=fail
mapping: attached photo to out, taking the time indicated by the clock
3:21
